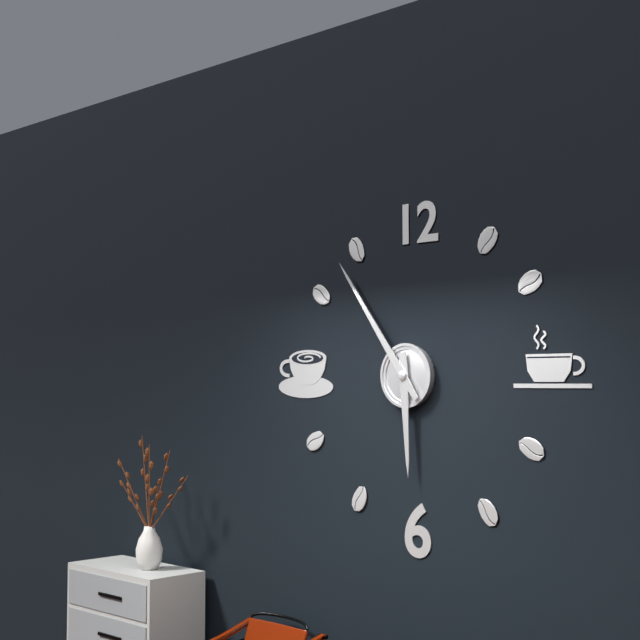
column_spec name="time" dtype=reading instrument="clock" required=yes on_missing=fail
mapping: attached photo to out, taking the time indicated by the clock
5:54
